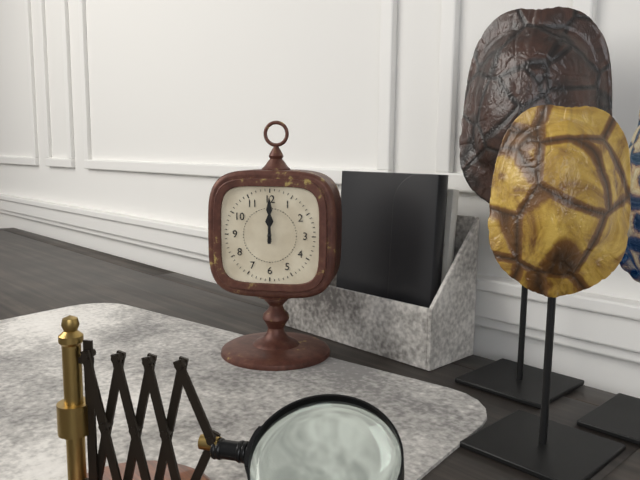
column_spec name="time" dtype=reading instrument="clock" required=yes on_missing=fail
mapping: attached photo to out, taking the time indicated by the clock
12:00
